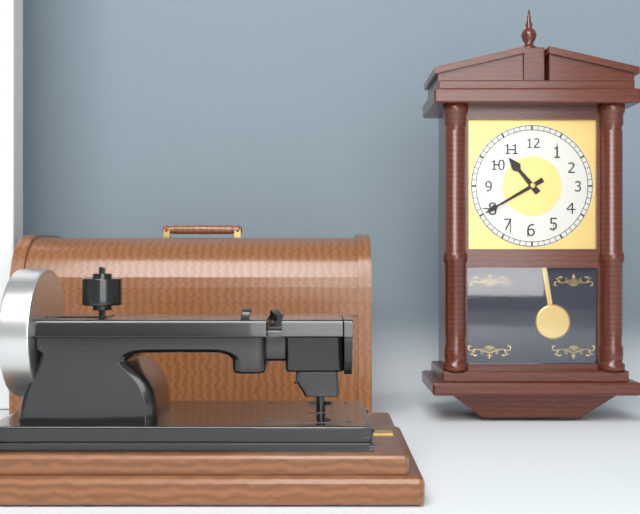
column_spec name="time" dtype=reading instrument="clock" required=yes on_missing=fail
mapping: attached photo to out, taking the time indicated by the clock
10:40
